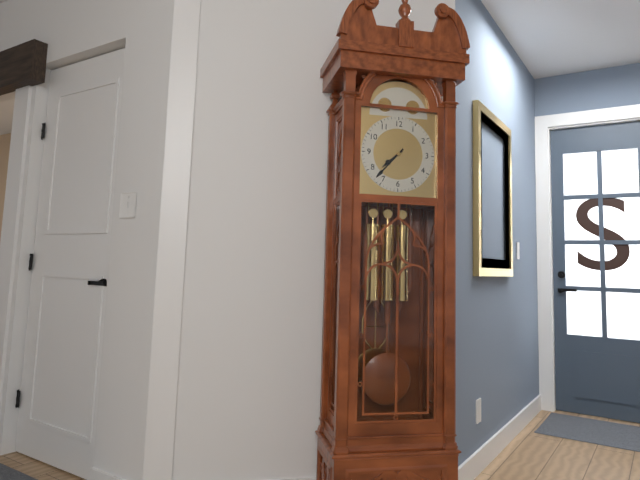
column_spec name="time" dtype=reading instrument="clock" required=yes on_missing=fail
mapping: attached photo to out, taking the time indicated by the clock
7:37
